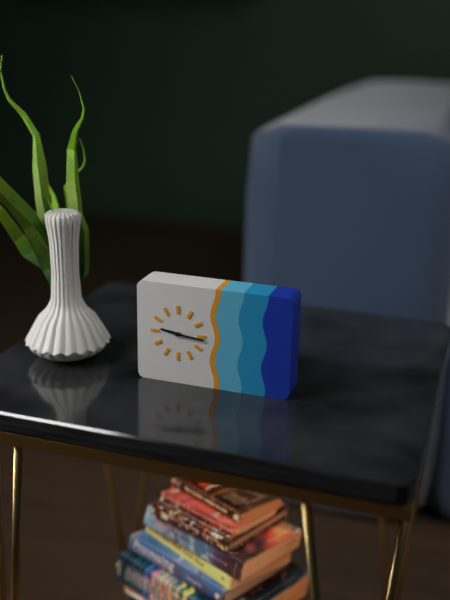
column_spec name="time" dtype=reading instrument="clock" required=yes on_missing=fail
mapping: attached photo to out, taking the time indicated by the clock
9:16
